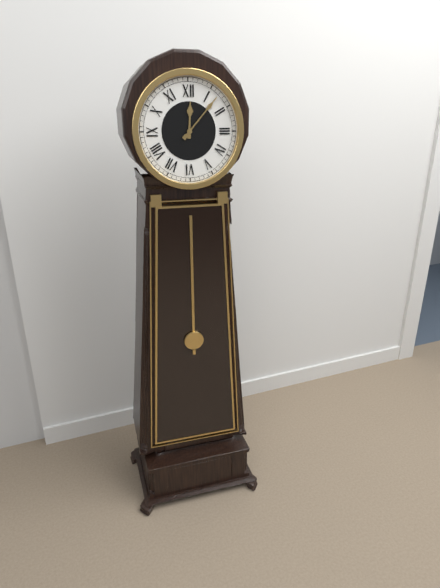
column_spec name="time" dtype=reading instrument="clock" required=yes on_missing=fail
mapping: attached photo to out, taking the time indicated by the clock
12:07
